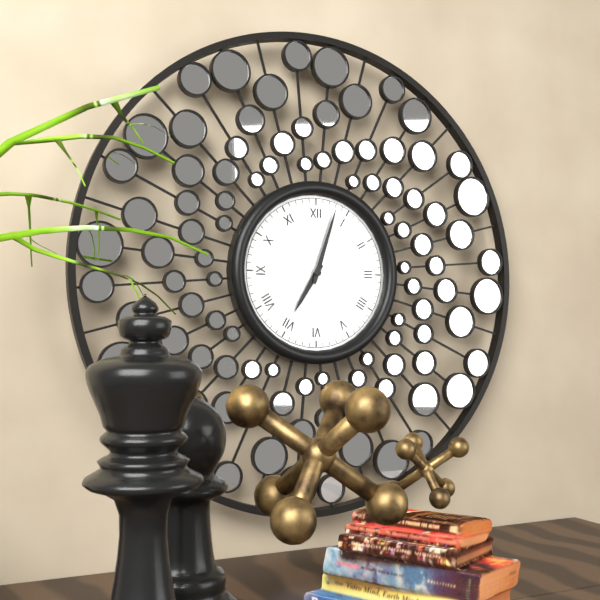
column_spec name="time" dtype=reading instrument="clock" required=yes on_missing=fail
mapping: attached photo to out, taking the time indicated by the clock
7:03
